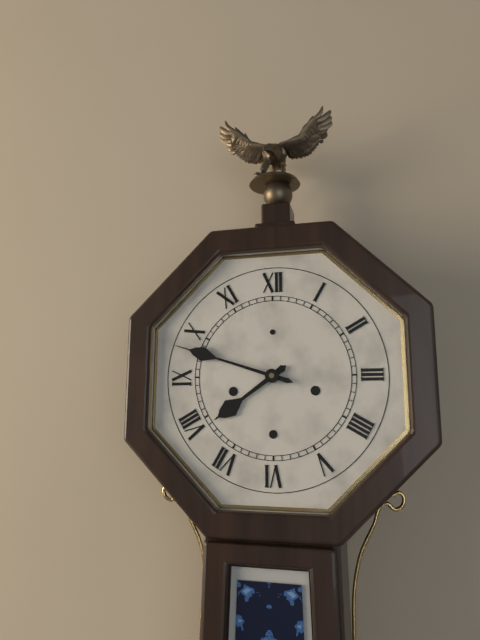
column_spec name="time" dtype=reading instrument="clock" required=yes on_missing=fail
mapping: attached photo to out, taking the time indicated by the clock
7:48
